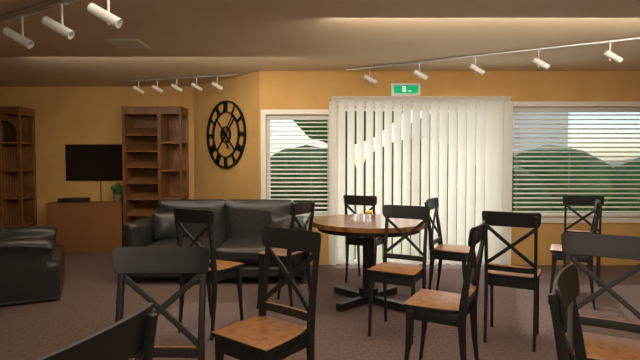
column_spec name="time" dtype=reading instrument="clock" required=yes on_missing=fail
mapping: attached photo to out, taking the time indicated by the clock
5:07
